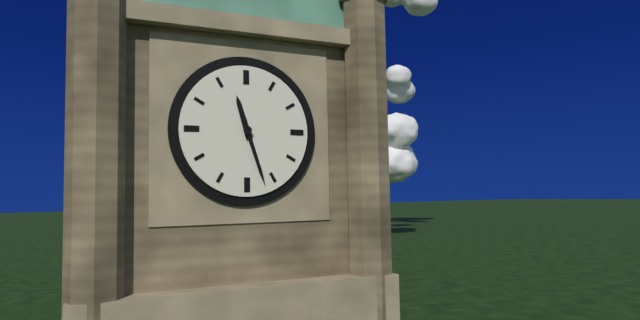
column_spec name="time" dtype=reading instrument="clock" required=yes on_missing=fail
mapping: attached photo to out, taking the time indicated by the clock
11:27
